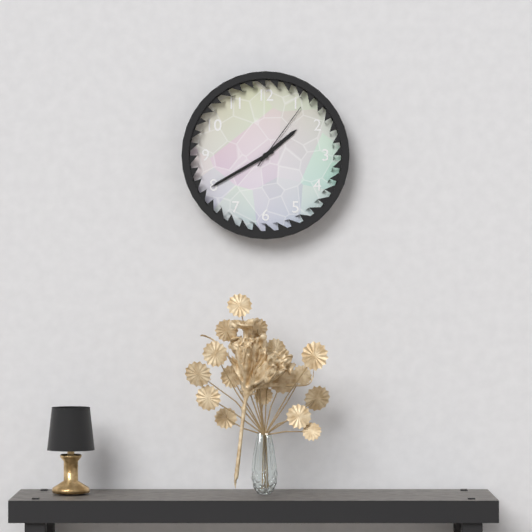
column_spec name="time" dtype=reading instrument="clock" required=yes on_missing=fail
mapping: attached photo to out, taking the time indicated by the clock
1:40:06
